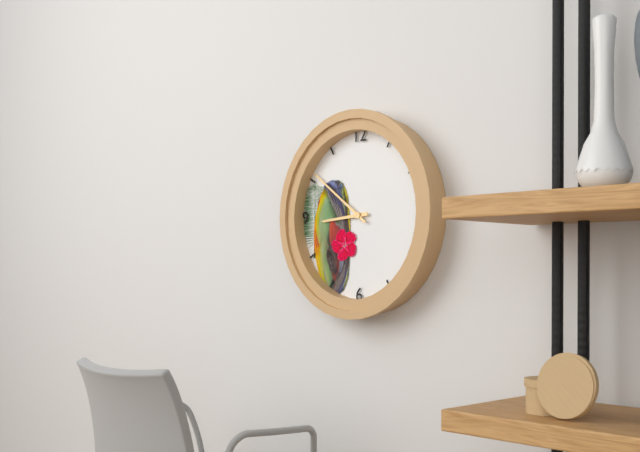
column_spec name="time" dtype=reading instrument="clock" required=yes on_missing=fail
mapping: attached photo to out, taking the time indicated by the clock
8:51
